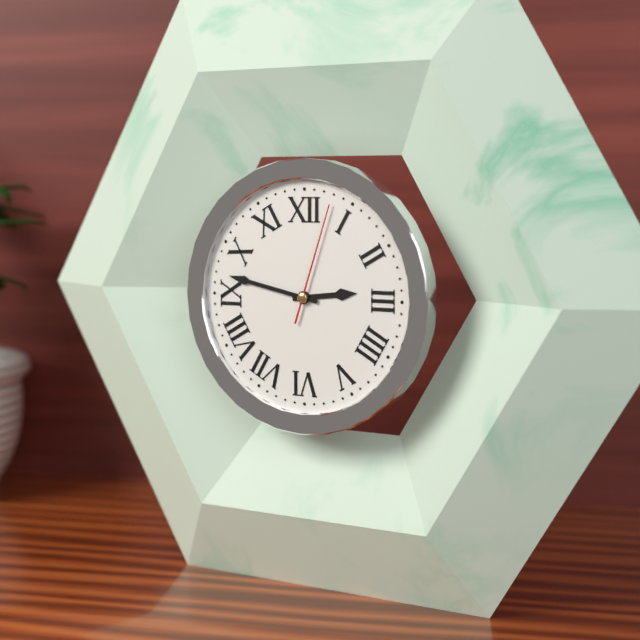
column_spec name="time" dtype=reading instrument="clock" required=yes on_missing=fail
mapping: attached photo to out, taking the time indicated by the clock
2:47:03
